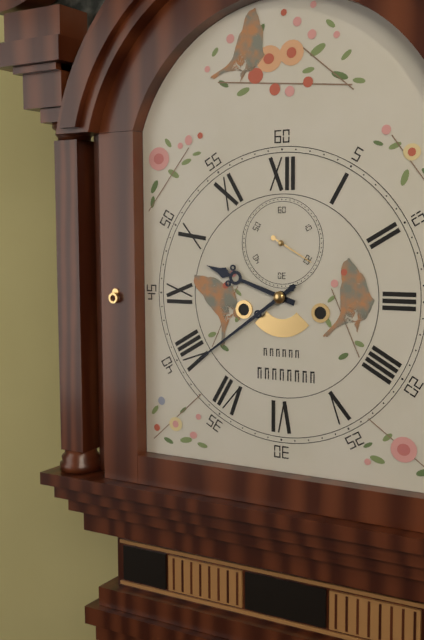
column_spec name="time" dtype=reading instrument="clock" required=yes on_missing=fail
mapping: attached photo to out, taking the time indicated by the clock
9:39
